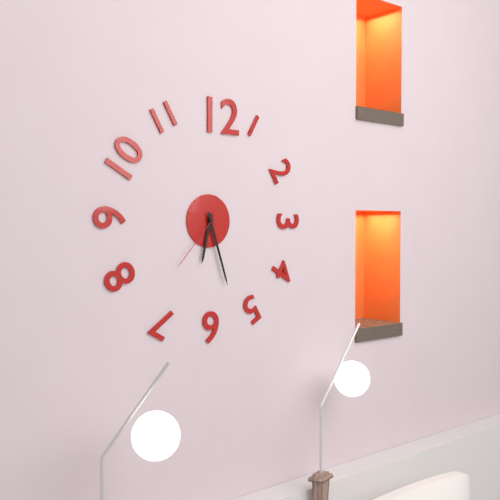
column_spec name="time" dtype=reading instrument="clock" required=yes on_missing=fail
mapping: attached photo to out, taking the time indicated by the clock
6:27:37
